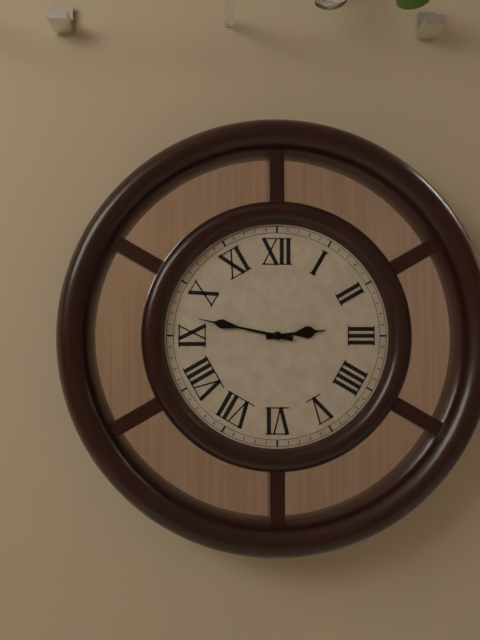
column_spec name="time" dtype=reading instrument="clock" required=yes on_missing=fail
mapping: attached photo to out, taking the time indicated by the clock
2:47
